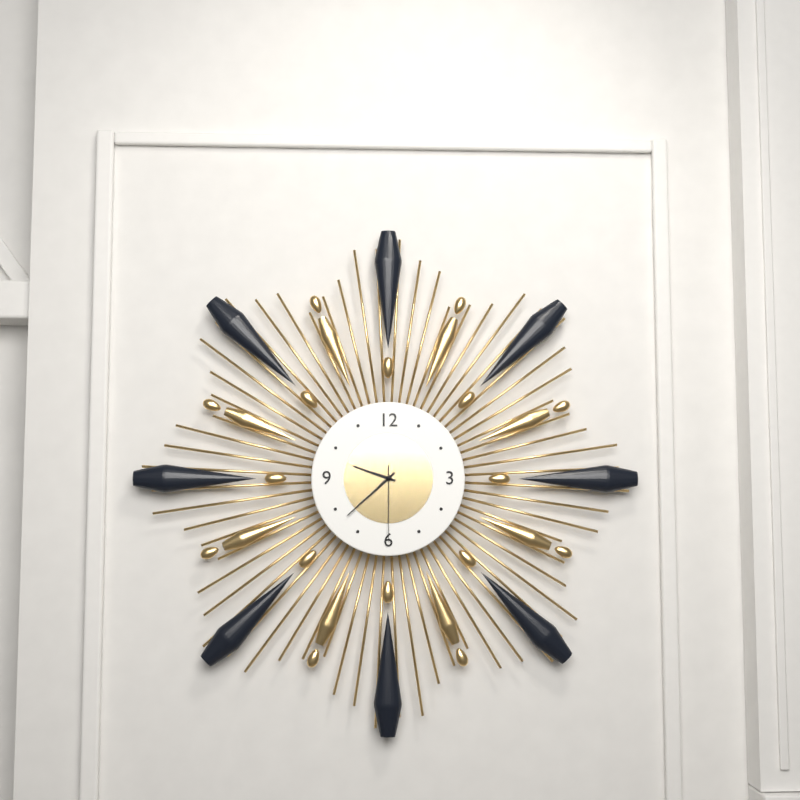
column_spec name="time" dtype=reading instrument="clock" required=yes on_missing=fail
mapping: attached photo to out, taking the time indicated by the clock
9:38:30
